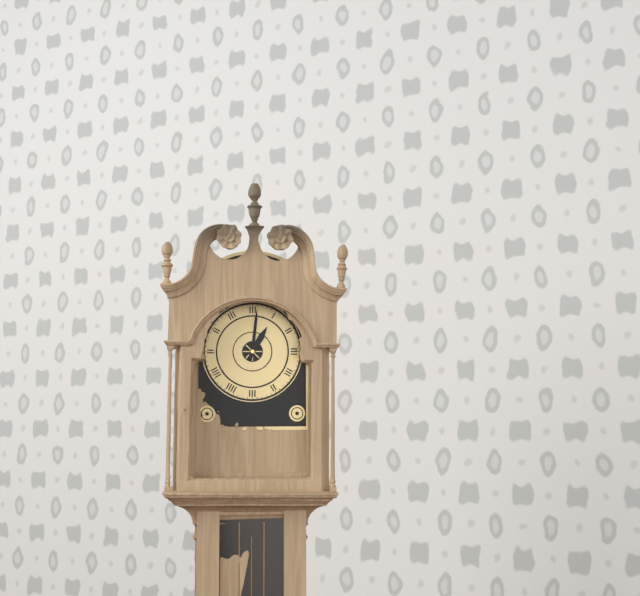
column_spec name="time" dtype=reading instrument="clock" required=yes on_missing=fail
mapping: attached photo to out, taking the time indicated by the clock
1:01
